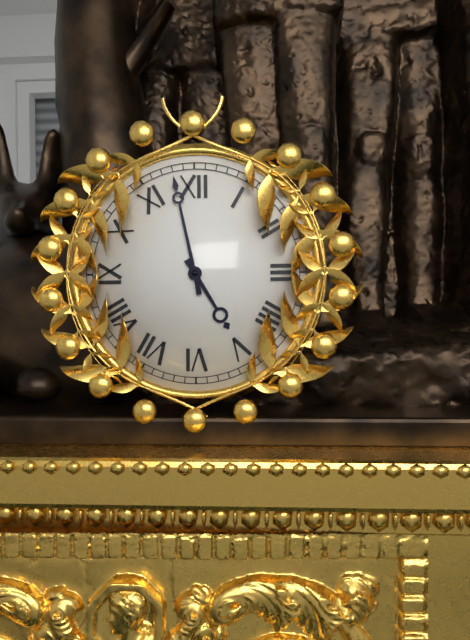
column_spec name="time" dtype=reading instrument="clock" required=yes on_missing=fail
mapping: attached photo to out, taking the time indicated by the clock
4:58
